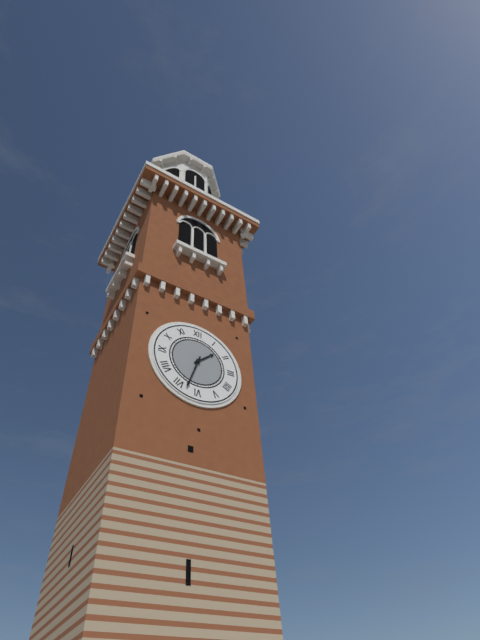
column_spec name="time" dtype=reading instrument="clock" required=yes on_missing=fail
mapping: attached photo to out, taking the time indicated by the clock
1:33
